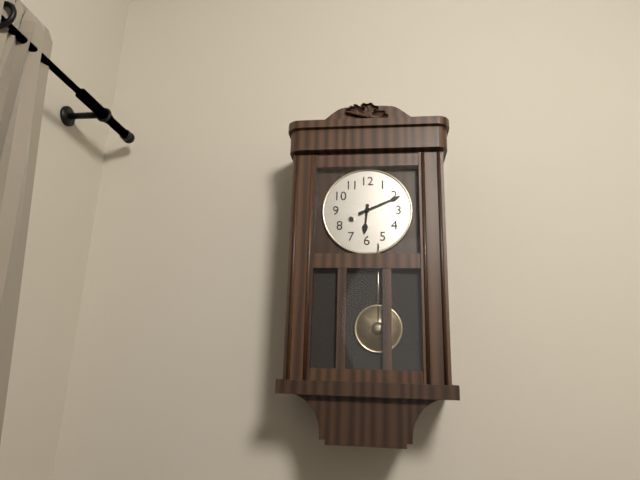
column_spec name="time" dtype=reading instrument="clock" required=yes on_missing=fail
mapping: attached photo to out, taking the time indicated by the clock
6:11
